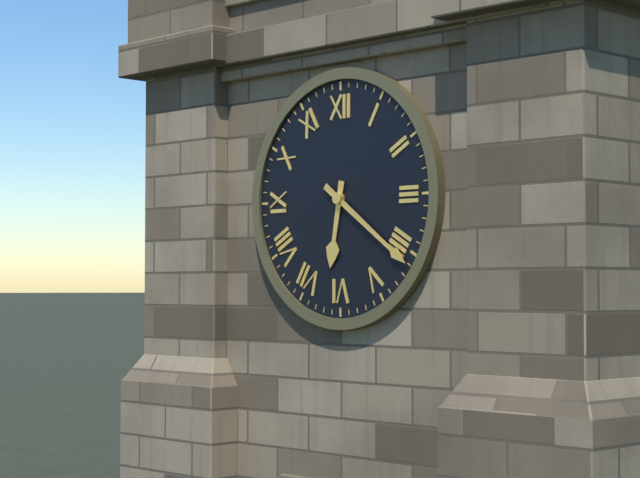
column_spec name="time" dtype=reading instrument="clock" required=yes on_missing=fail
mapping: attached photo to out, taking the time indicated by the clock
6:21
